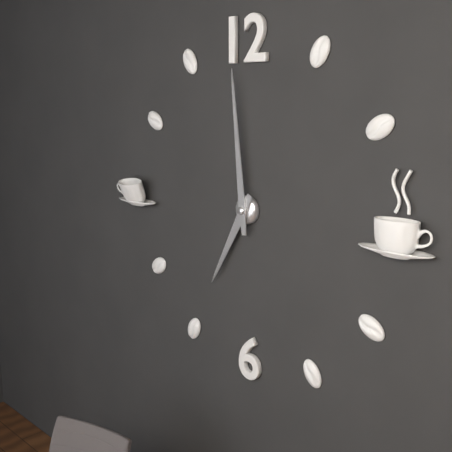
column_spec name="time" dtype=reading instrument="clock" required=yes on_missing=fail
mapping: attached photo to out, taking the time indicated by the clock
6:59
